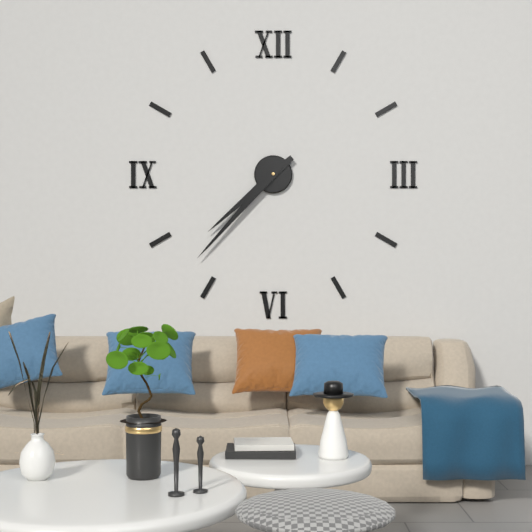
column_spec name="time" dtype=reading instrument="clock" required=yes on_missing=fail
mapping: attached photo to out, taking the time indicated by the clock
7:37
